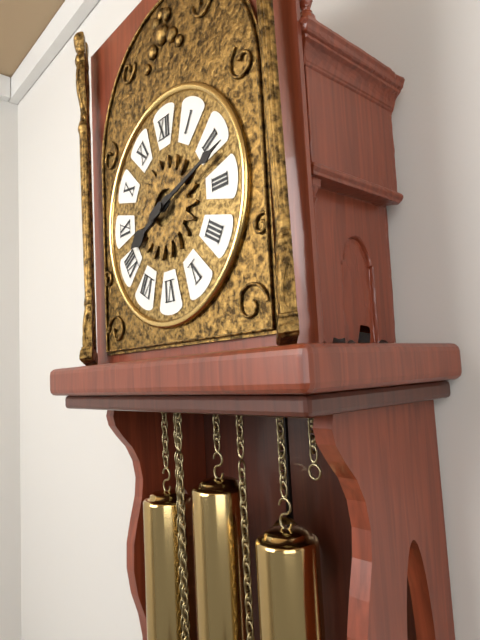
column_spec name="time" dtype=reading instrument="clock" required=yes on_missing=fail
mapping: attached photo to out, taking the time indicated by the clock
8:12
